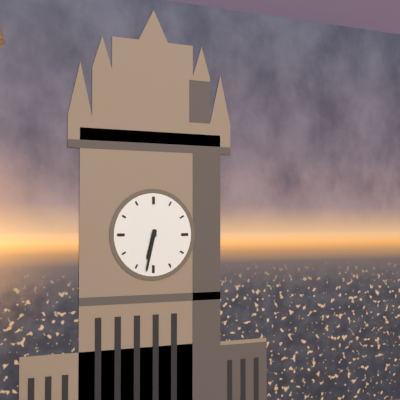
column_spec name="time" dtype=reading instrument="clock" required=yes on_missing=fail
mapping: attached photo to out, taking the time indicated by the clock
6:32
